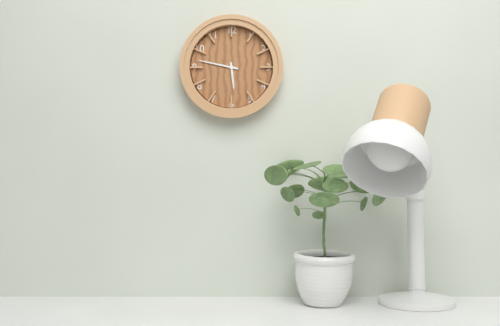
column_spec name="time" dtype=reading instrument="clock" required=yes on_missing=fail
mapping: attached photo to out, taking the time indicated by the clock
5:47
